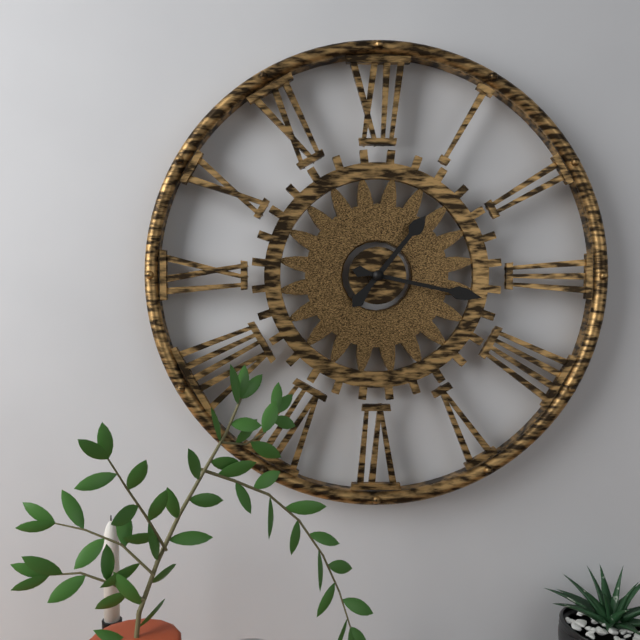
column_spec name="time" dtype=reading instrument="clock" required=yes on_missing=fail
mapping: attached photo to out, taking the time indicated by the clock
1:17
